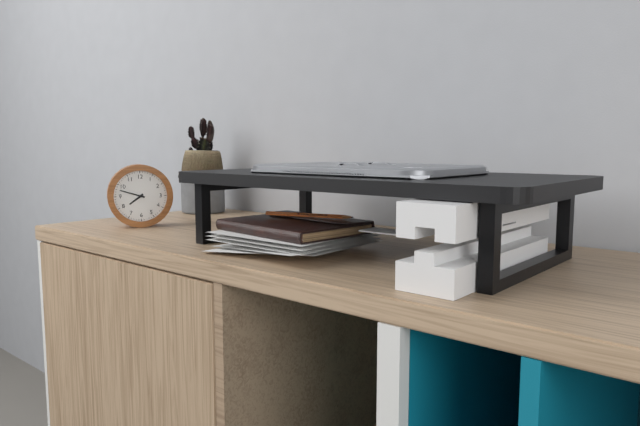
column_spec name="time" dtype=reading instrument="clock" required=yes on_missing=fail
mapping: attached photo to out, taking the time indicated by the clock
7:48
